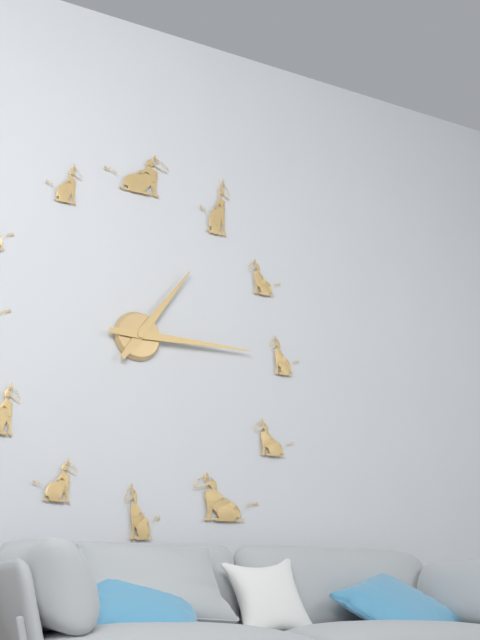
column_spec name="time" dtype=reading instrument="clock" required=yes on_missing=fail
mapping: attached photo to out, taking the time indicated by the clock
1:15
